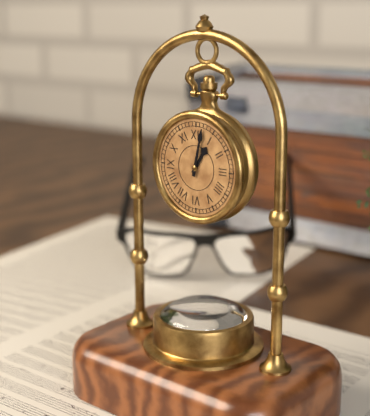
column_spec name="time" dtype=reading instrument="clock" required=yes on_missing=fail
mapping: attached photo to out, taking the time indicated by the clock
1:02
